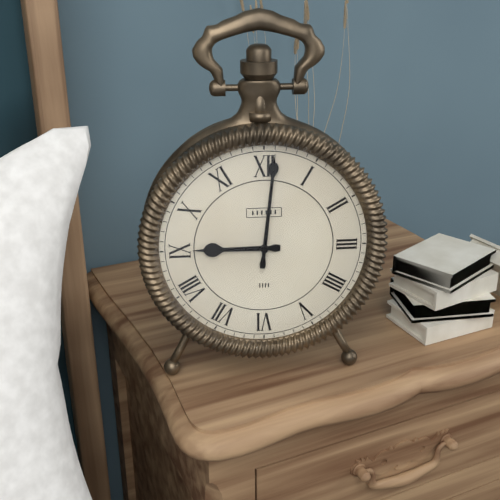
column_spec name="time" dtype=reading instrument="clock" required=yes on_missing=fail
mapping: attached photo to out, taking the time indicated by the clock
9:01
